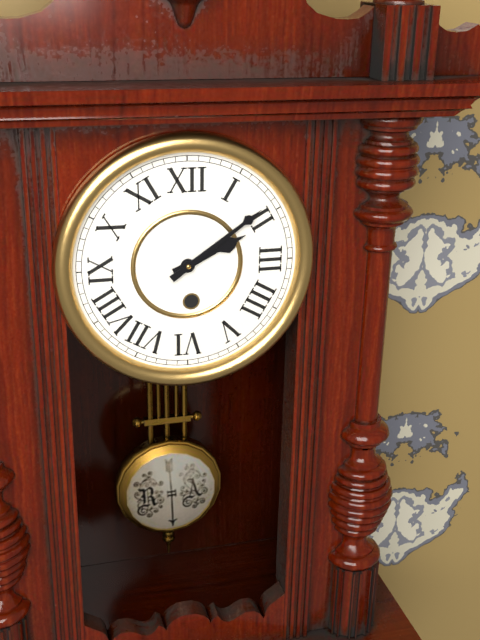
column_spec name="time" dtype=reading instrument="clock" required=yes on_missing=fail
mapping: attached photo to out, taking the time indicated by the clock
2:09
